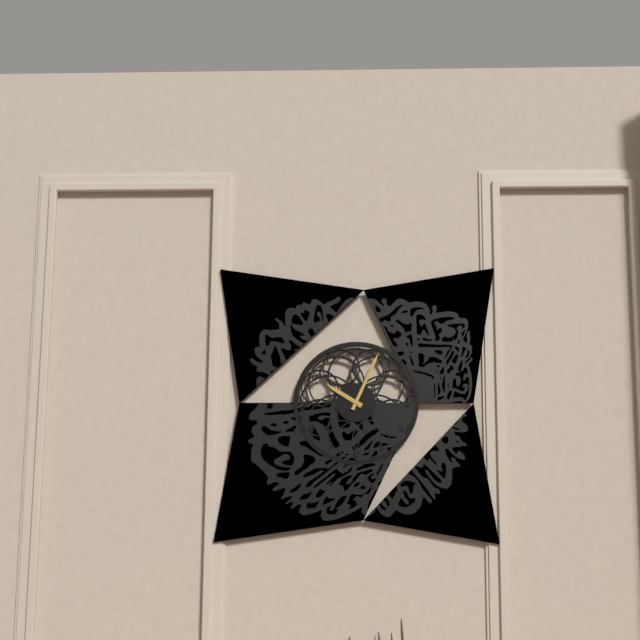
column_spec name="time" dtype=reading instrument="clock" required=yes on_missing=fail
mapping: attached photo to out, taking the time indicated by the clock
10:04
